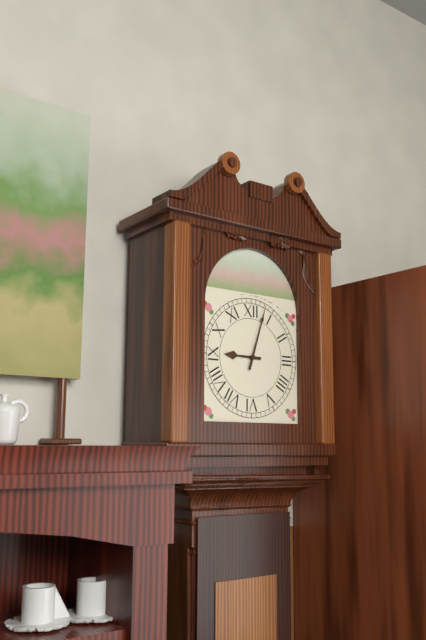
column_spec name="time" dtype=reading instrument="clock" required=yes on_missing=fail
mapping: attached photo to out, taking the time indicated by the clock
9:03
